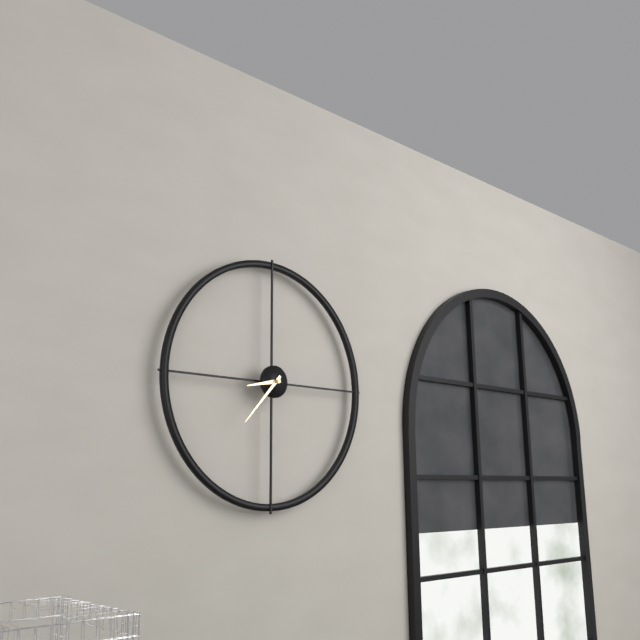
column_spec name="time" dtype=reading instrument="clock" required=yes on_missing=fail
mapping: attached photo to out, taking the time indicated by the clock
8:37
